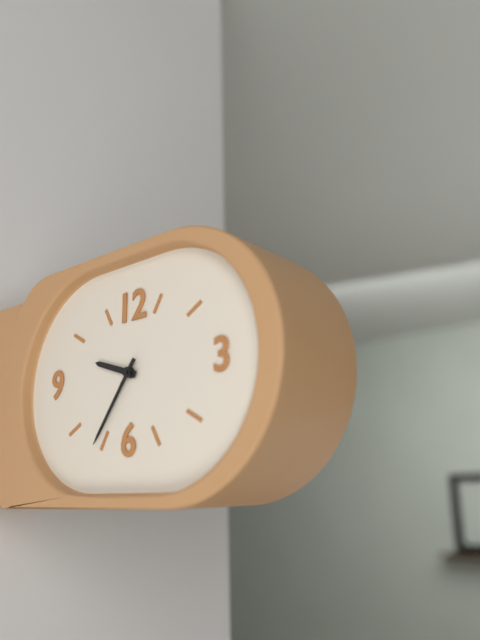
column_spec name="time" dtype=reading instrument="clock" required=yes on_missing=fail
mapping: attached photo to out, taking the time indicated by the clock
9:36
